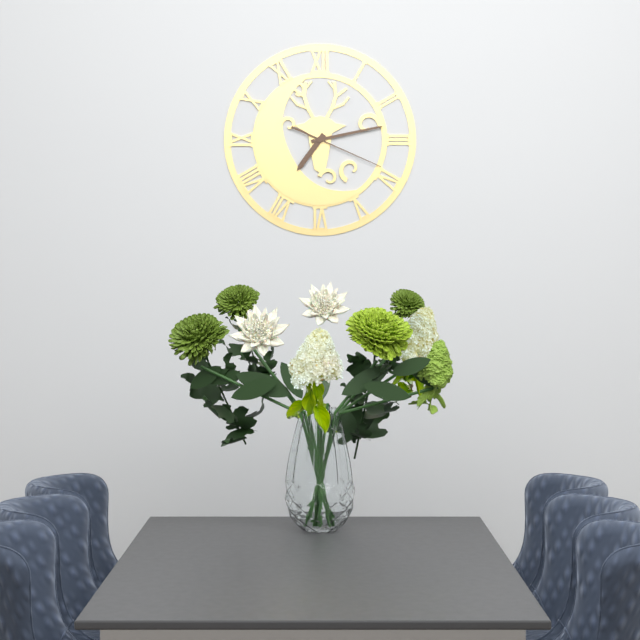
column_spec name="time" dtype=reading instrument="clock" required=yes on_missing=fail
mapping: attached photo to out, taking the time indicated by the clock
7:13:19
